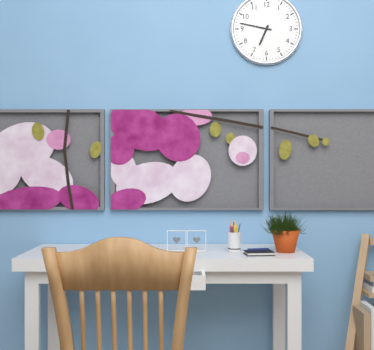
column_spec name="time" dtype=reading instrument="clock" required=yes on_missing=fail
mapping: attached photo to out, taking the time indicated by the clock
6:47
